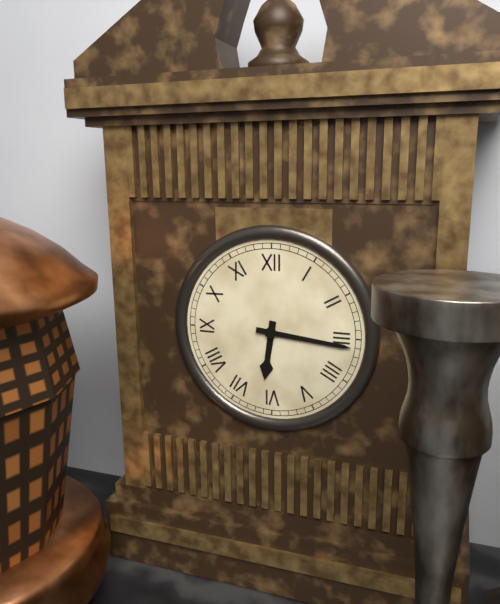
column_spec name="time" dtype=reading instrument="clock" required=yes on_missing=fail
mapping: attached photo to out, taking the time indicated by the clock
6:16
